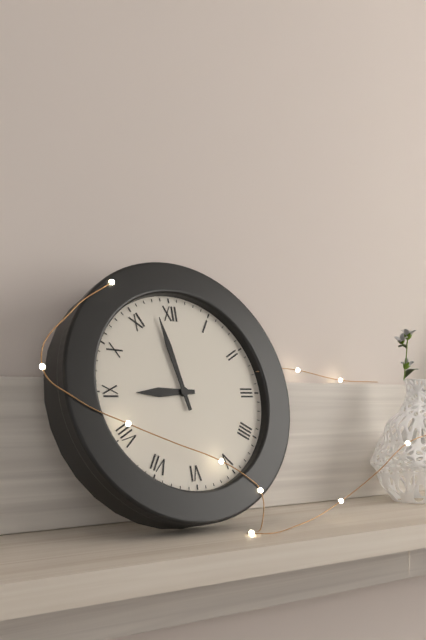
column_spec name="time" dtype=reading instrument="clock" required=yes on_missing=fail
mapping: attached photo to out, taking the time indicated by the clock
8:58
